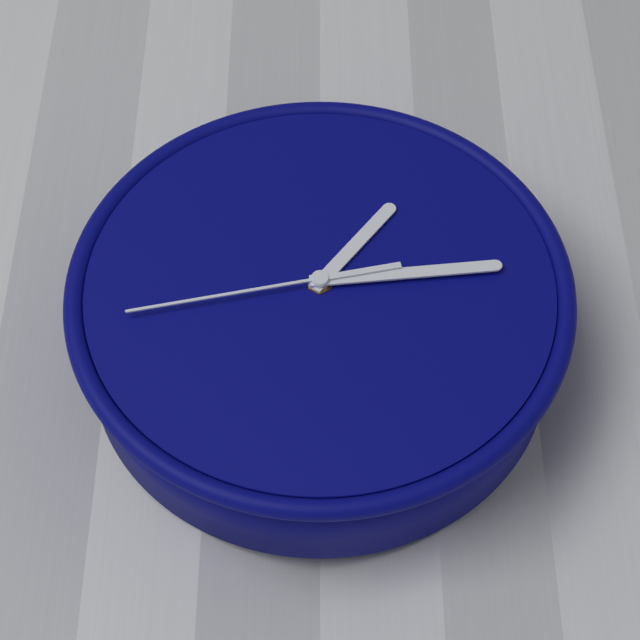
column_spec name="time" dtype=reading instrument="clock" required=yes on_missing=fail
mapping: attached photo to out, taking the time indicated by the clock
1:14:43
